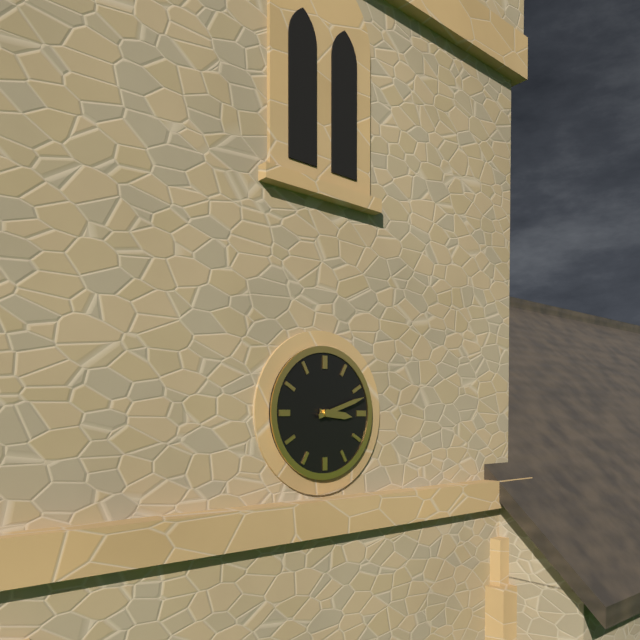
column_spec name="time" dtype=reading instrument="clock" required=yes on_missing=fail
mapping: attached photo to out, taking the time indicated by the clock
3:12
